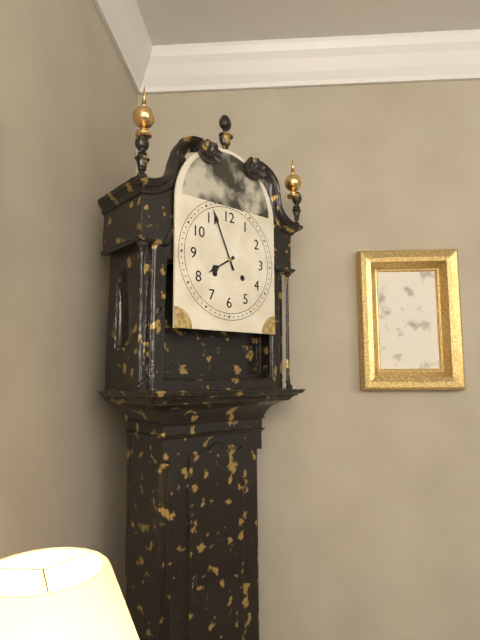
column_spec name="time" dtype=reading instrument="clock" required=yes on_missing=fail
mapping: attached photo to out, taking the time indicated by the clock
7:56
